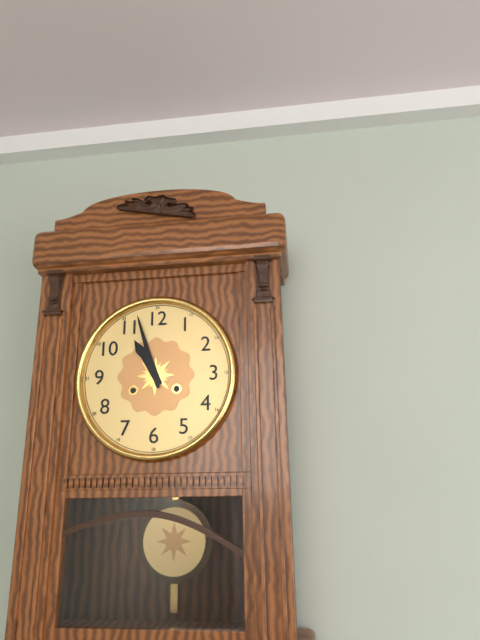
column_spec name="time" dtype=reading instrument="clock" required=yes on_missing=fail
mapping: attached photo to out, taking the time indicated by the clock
10:57
